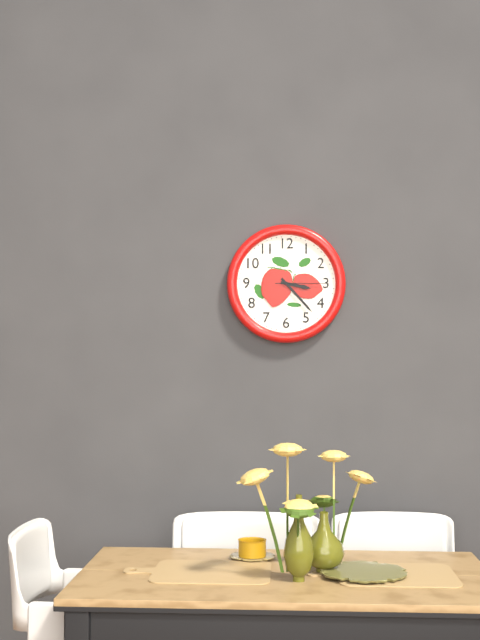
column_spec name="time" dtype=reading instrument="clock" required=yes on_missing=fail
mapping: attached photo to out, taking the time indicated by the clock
3:23:15
